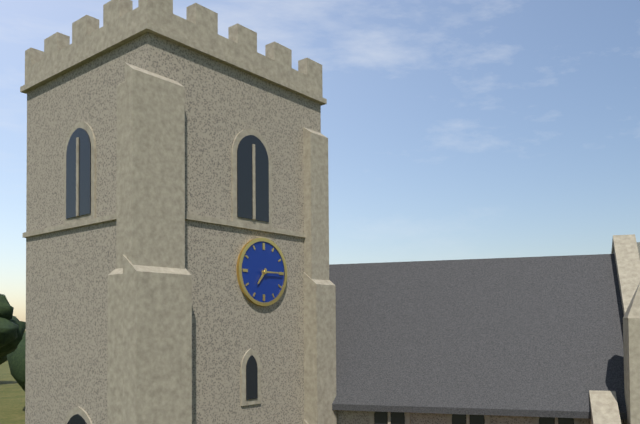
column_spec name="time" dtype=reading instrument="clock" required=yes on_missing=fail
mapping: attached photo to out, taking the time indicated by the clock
7:15
